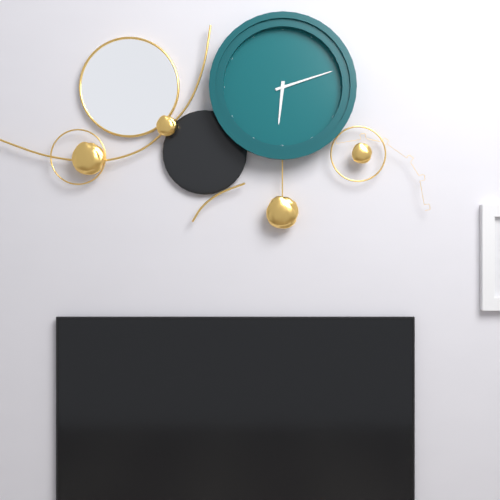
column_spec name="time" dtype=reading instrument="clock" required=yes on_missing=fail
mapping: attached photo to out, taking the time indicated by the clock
6:12
